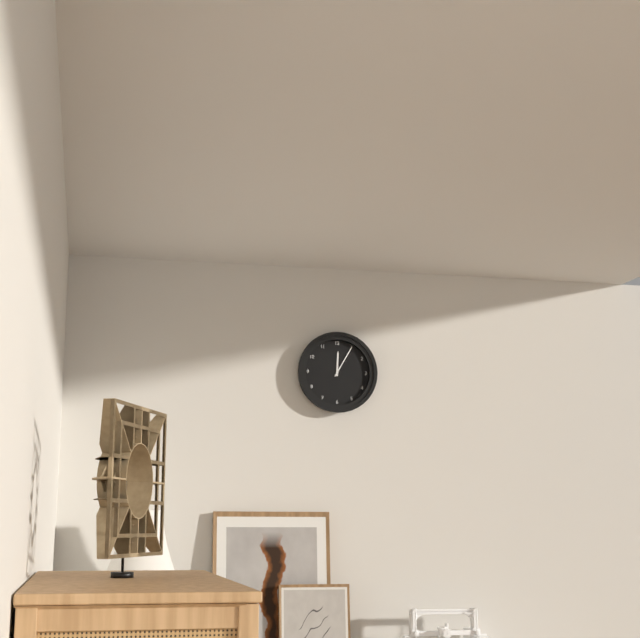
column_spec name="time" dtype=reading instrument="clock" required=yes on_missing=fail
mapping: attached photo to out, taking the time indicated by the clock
12:05
